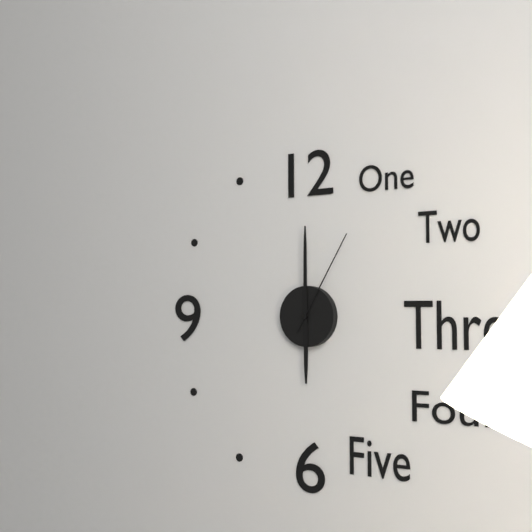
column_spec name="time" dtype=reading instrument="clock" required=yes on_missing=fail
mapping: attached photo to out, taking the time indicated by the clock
6:00:05
